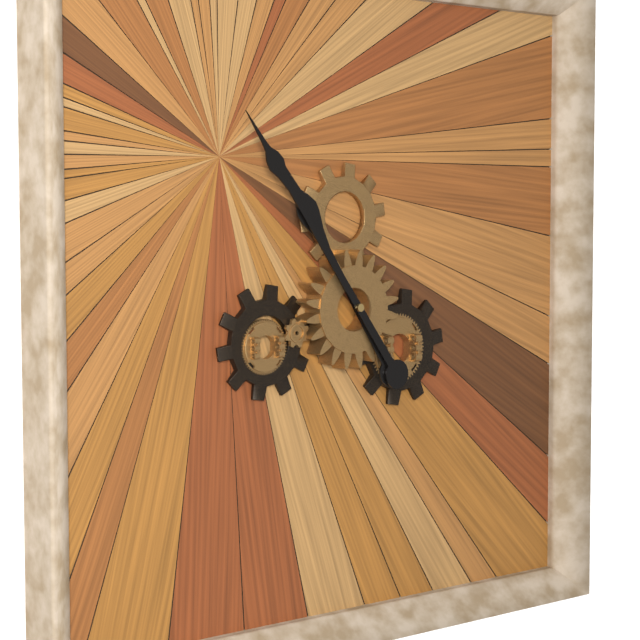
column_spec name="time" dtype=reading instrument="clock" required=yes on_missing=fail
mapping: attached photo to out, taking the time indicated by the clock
10:54
